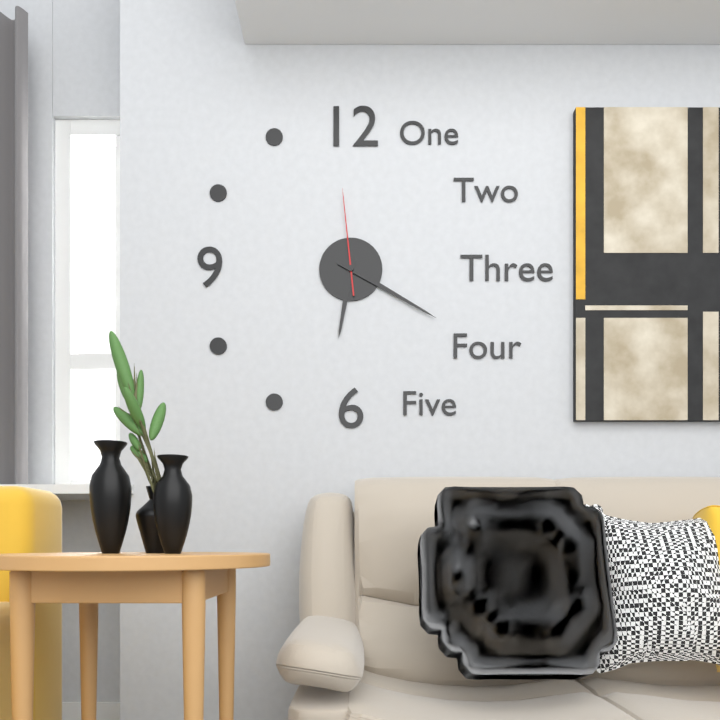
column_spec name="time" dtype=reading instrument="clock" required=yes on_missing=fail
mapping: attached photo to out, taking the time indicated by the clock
6:20:59
